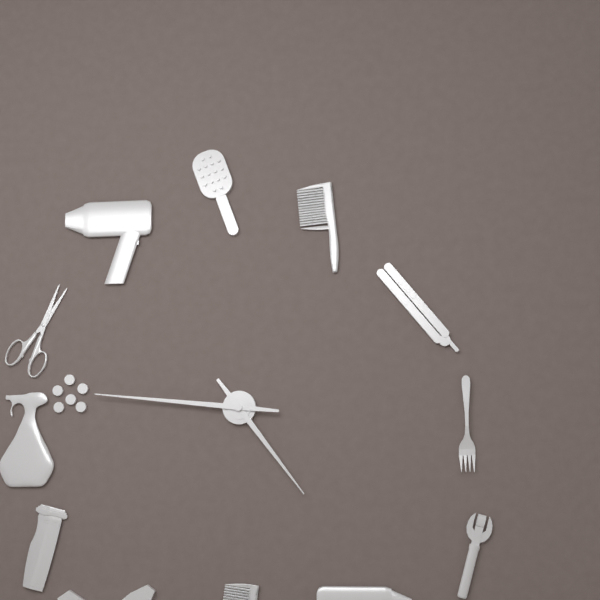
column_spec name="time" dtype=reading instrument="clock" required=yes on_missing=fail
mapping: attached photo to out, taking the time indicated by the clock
4:46
